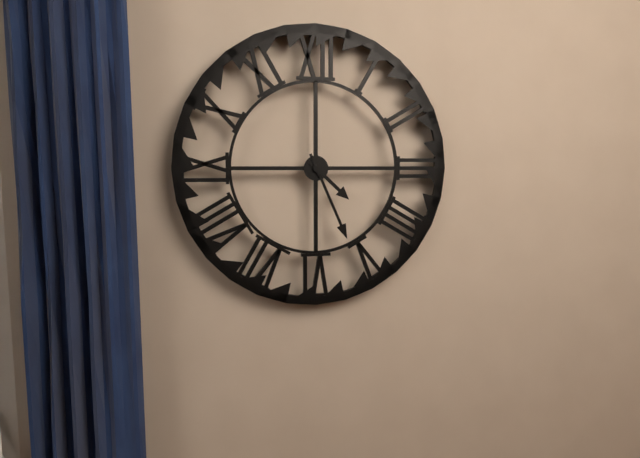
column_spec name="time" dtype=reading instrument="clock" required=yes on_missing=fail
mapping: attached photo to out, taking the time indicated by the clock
4:26
